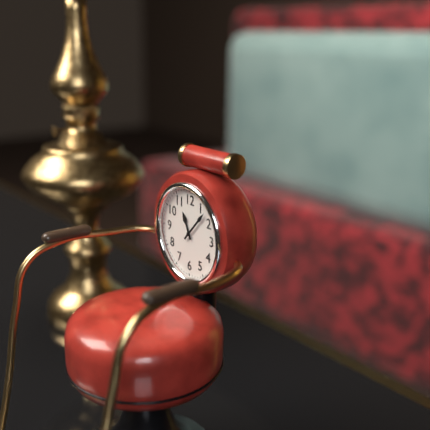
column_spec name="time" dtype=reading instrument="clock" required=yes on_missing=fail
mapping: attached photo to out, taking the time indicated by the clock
11:07
